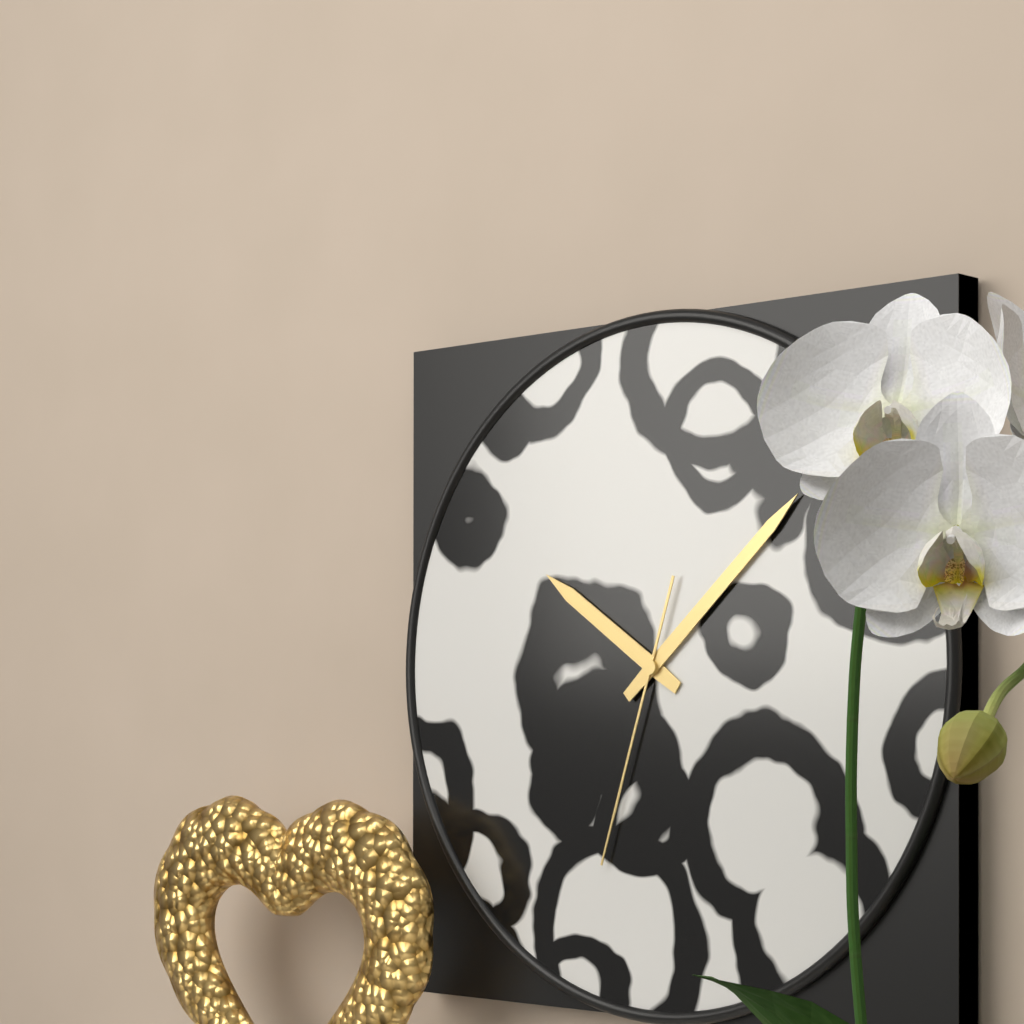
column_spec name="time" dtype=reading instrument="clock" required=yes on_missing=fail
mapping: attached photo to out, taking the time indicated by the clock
10:08:33
